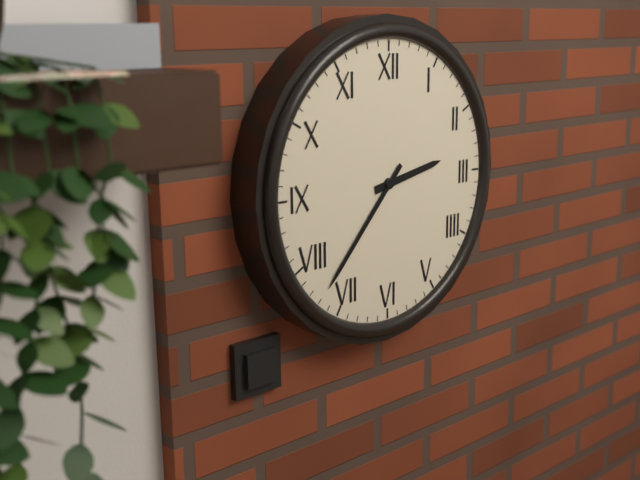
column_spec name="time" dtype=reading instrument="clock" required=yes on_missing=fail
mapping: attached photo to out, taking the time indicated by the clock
2:37
